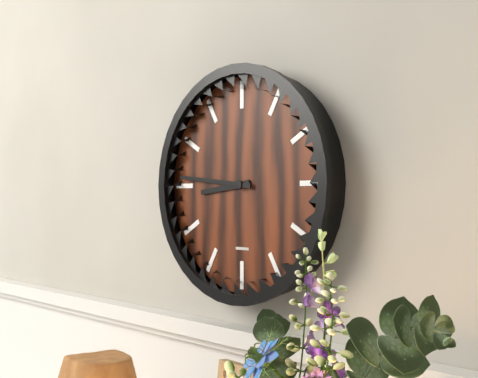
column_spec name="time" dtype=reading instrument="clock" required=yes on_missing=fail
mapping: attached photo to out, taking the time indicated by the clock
8:46
